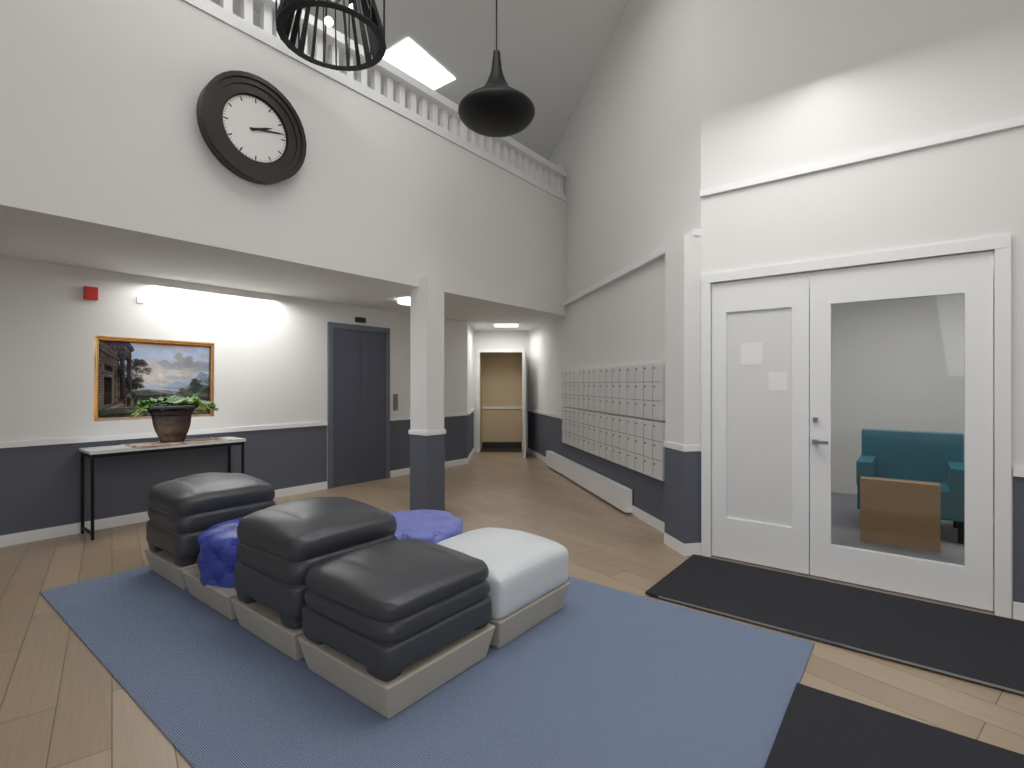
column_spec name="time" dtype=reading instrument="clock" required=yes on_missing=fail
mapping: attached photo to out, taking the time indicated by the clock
2:13
